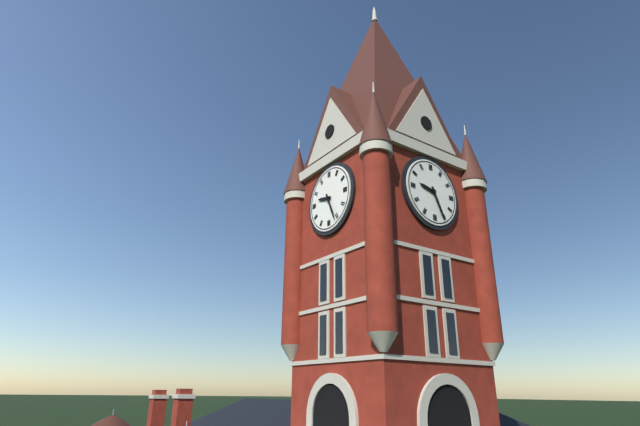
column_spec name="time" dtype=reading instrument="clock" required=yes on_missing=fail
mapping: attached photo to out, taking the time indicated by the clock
9:26
